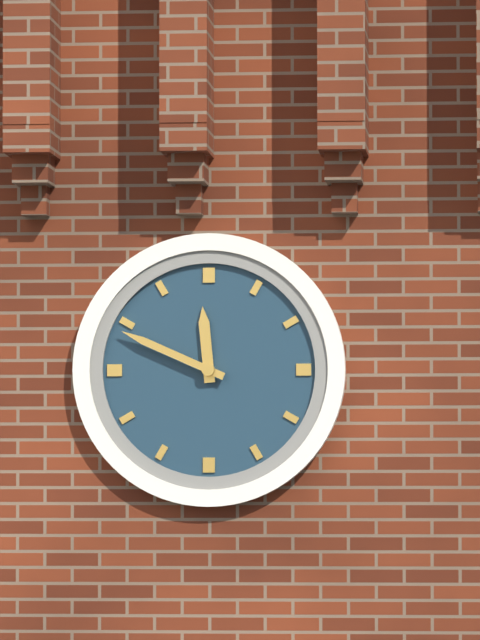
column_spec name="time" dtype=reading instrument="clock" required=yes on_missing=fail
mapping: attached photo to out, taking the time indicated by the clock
11:49
